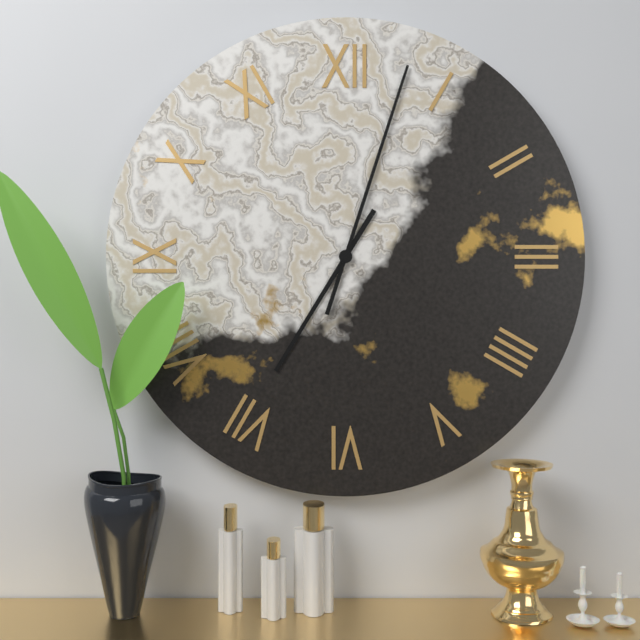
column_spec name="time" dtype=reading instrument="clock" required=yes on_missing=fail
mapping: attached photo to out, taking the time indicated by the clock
7:03
